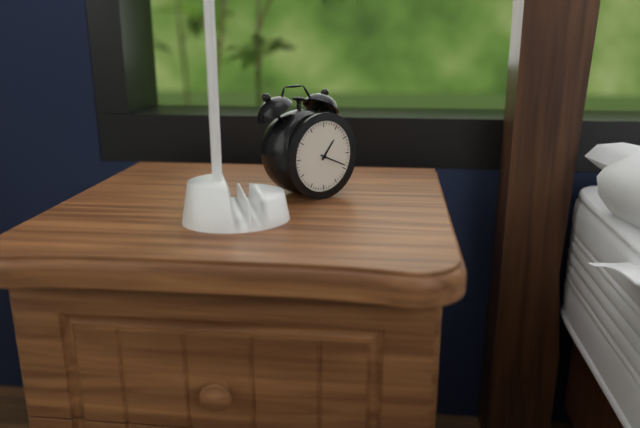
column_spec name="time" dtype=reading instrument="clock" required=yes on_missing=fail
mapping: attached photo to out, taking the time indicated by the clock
1:19
